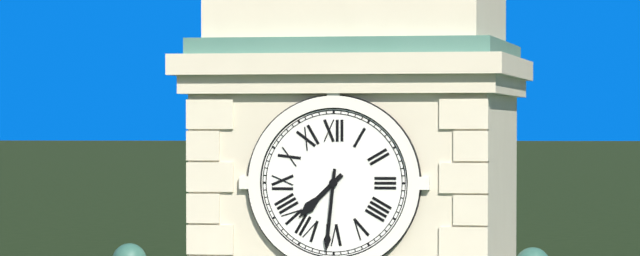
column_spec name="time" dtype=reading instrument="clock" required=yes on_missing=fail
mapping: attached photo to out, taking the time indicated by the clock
7:31
